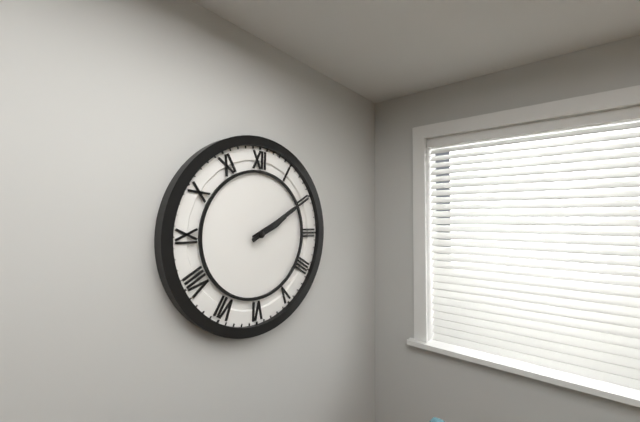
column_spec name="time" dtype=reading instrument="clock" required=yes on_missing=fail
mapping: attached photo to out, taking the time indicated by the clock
2:10
